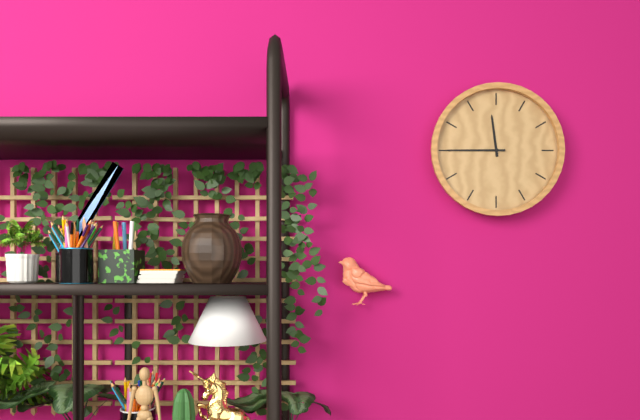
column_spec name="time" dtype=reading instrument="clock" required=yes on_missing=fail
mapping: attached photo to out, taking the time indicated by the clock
11:45
